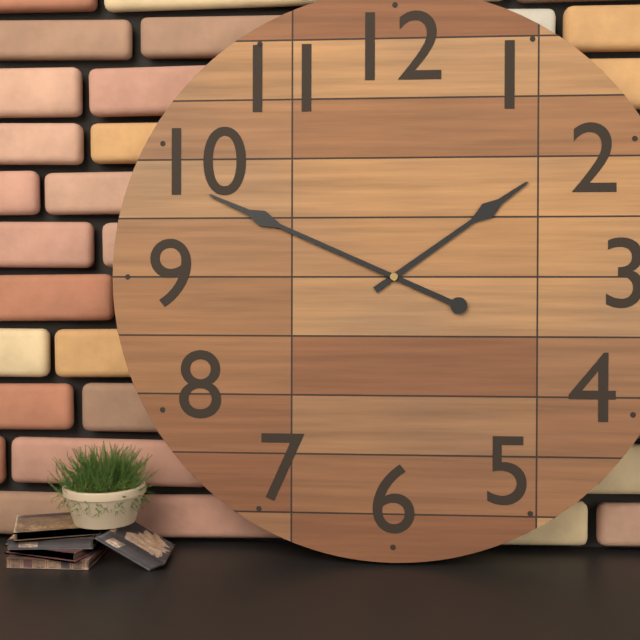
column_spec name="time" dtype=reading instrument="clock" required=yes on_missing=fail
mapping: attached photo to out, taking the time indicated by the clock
1:49
